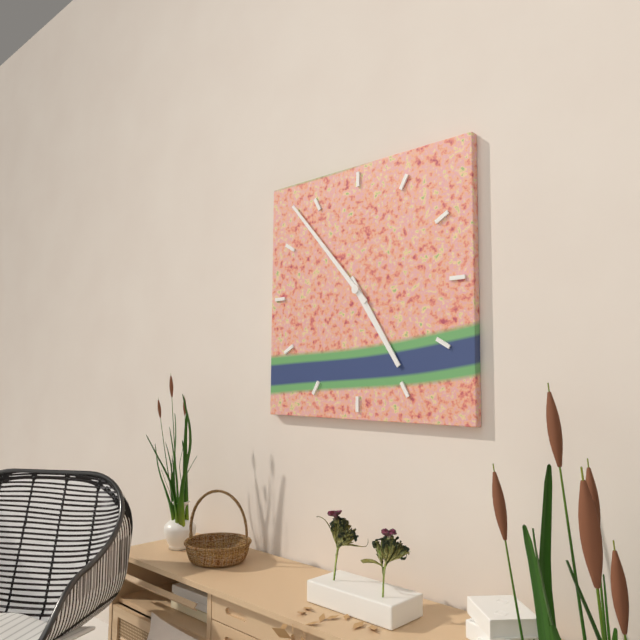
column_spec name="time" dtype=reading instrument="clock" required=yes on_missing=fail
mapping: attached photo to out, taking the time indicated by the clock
4:53
